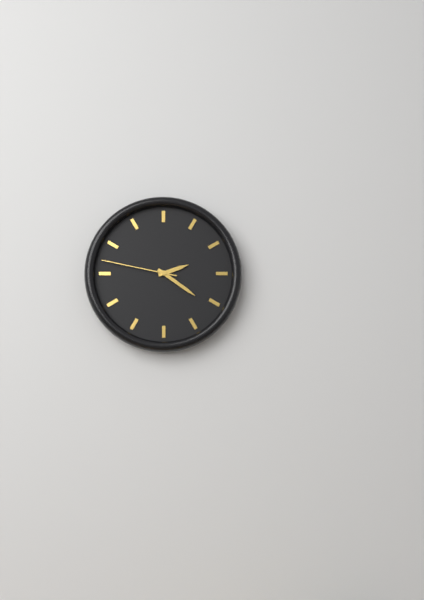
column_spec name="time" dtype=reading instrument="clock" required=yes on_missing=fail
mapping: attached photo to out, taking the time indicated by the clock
2:21:47
